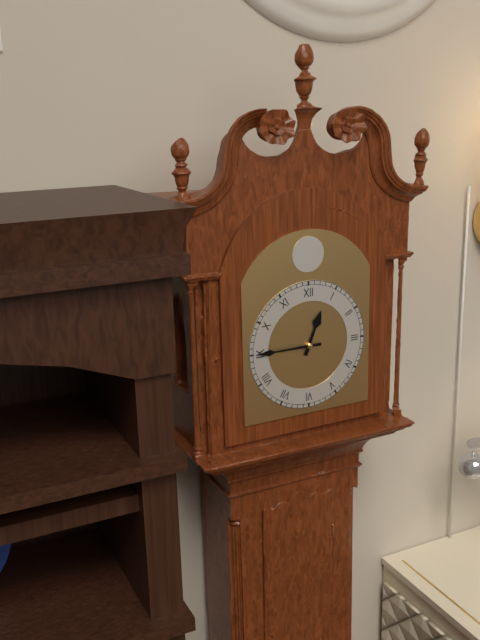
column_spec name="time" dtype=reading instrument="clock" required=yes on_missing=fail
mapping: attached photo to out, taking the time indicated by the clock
12:45
